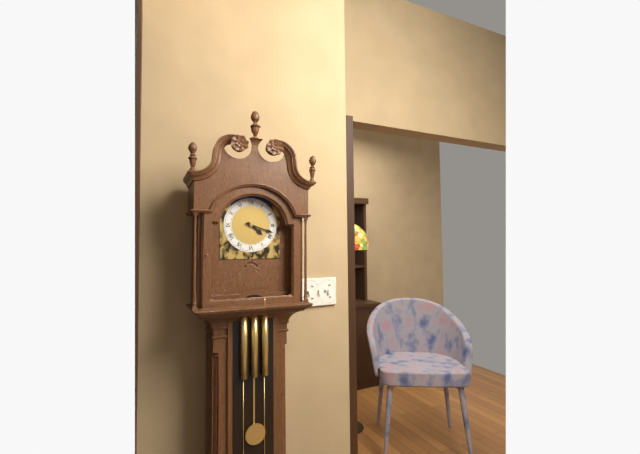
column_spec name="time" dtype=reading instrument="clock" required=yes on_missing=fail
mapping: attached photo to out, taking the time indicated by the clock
4:18
